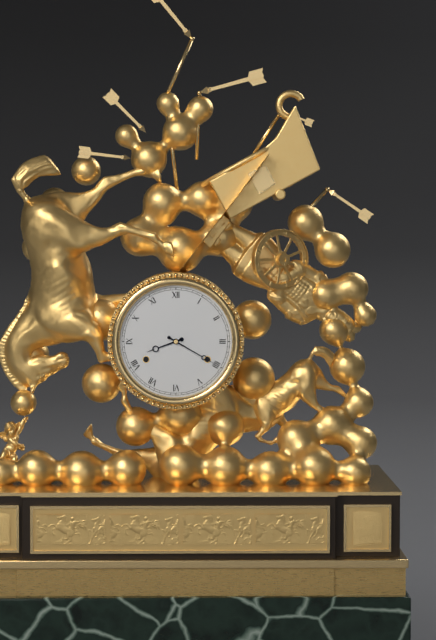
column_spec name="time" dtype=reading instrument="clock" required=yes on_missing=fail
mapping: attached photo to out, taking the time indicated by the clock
8:20
